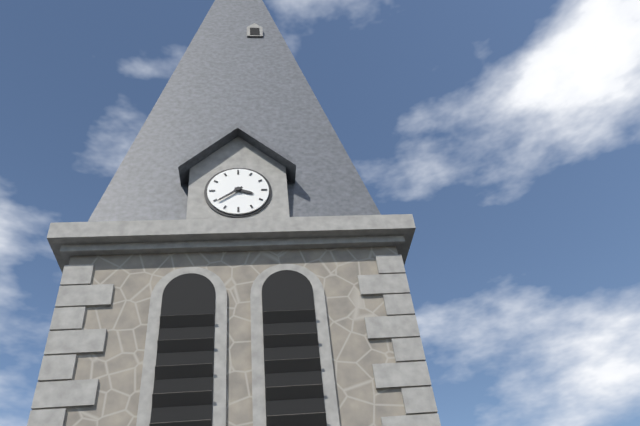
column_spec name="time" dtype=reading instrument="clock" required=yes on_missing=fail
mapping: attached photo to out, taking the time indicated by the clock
3:39
